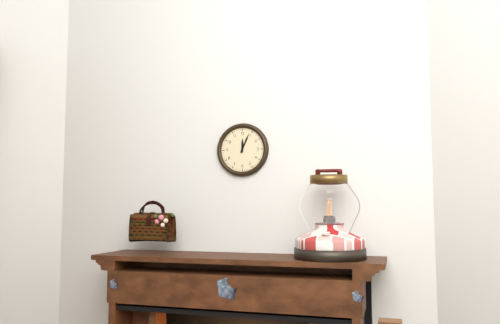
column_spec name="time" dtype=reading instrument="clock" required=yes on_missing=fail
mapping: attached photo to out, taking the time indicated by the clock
12:04
